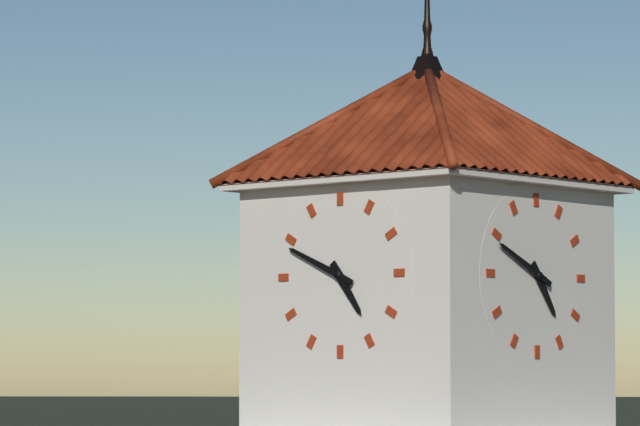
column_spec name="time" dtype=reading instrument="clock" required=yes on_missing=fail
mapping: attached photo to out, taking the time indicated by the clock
4:49
